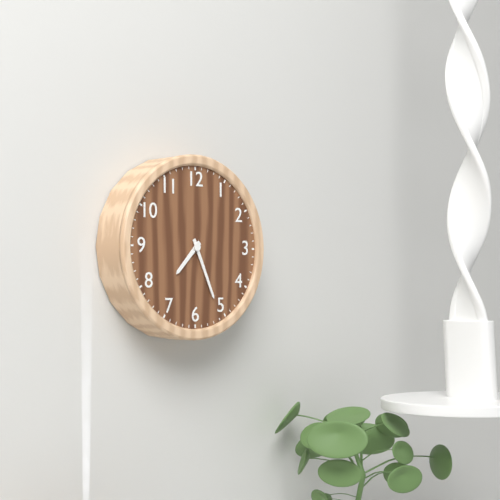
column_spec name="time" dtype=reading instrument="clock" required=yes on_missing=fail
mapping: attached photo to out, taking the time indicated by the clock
7:26
